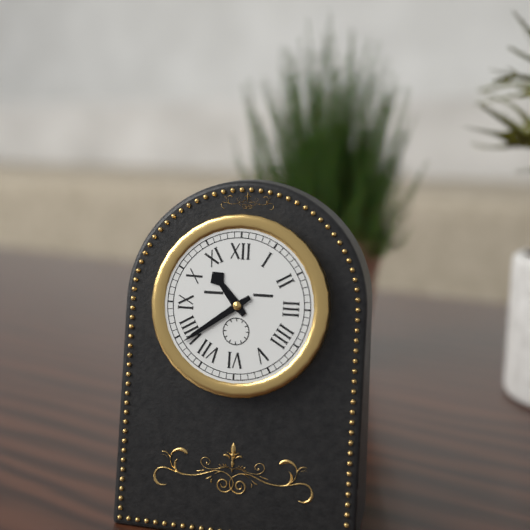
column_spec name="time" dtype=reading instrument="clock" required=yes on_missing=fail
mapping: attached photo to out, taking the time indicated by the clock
10:39
